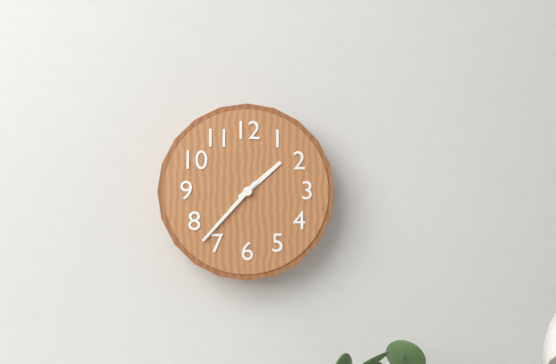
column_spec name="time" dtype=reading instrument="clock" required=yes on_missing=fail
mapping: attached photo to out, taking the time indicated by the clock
1:37
